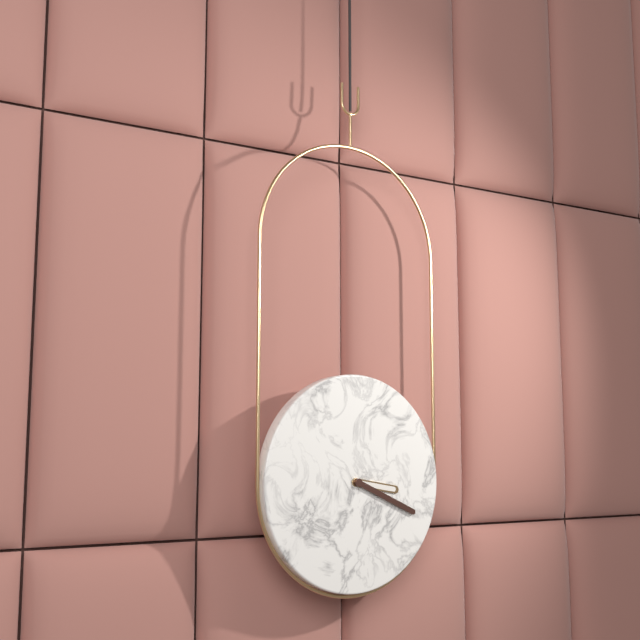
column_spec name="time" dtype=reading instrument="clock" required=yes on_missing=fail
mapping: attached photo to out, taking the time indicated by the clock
3:19
